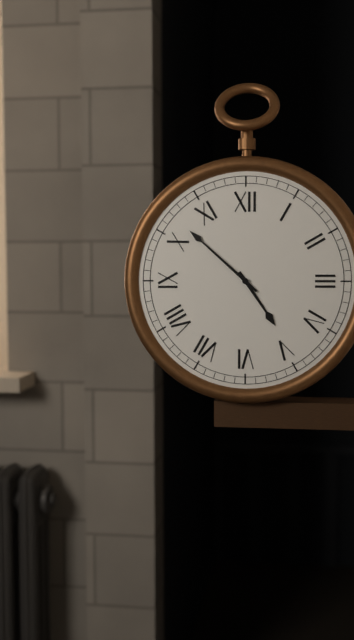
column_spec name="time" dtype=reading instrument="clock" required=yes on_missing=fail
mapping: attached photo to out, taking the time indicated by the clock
4:52
